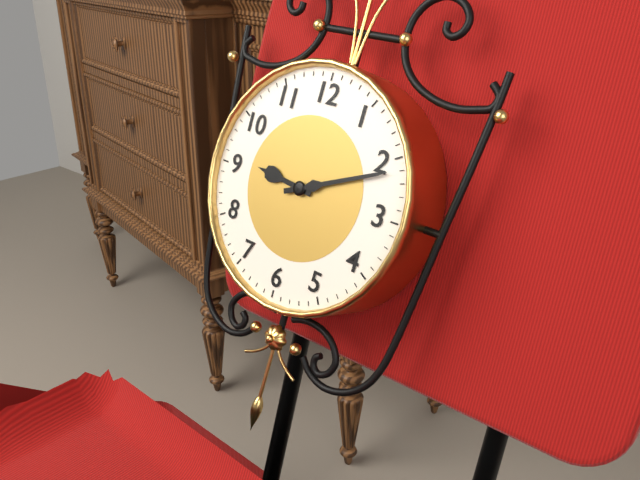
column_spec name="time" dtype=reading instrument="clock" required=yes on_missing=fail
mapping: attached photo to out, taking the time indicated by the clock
9:11
